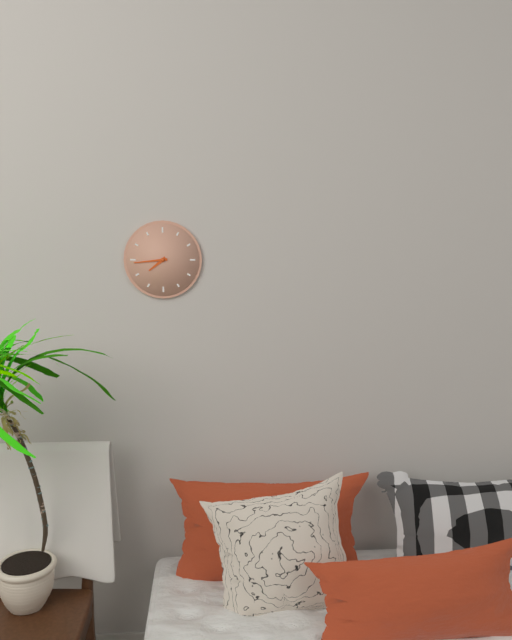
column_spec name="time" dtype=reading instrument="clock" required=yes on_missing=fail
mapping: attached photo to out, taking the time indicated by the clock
7:44
